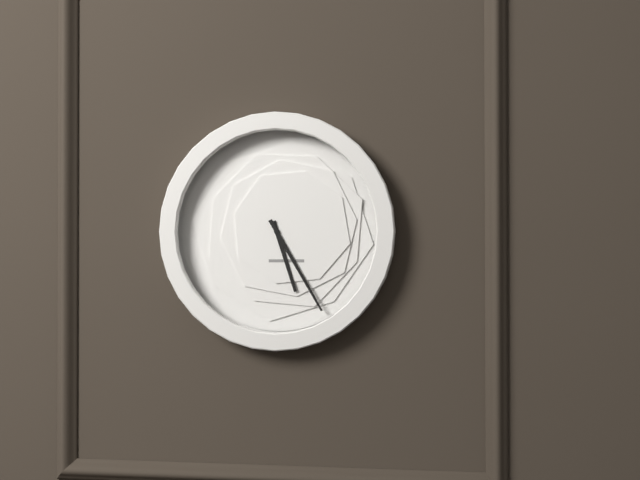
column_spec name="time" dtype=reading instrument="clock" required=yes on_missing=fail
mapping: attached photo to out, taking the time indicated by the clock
5:25
